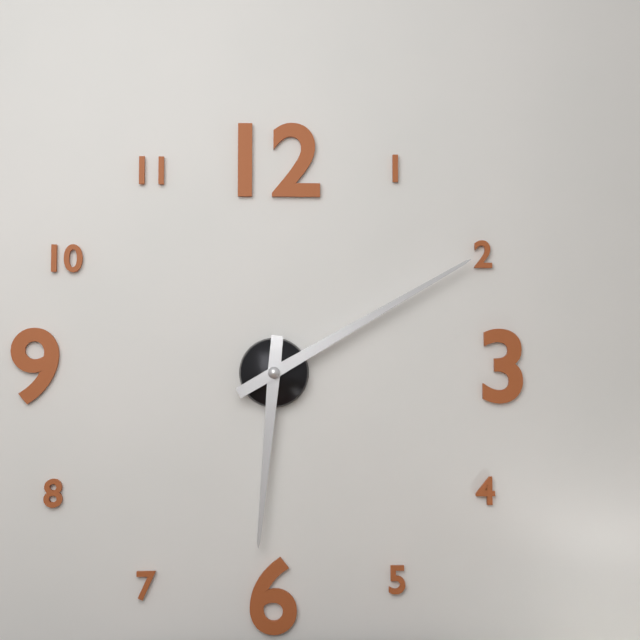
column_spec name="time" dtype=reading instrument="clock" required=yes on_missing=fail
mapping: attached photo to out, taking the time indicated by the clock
6:10
